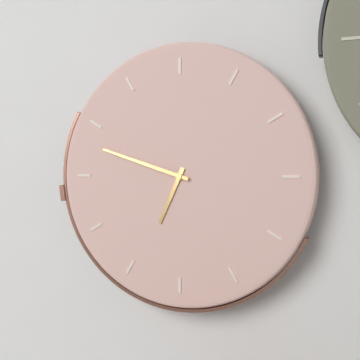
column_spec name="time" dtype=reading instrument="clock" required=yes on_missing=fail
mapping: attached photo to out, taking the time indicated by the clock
6:48
